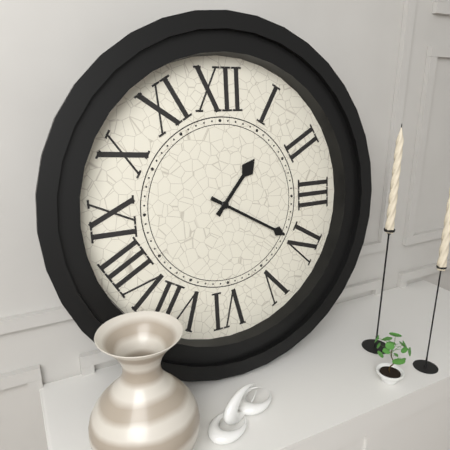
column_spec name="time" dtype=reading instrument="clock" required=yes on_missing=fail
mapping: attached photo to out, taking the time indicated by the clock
1:20
